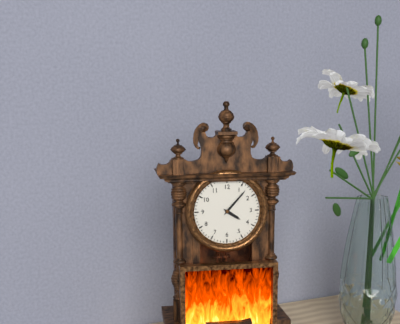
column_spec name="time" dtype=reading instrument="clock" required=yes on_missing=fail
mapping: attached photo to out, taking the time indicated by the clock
4:07
